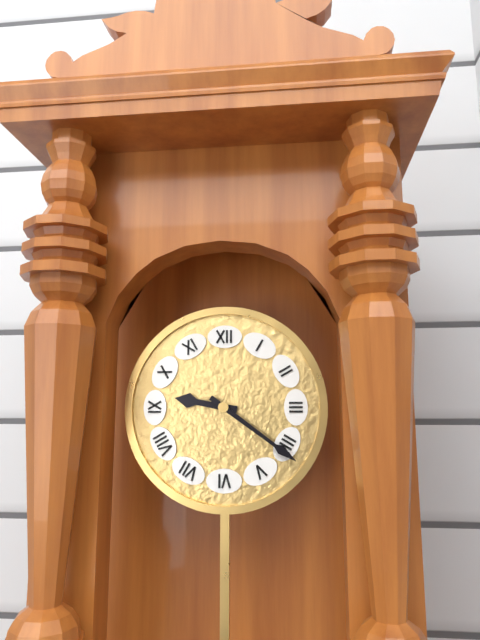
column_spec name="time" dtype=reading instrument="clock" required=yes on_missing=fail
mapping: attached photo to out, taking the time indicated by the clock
9:21
